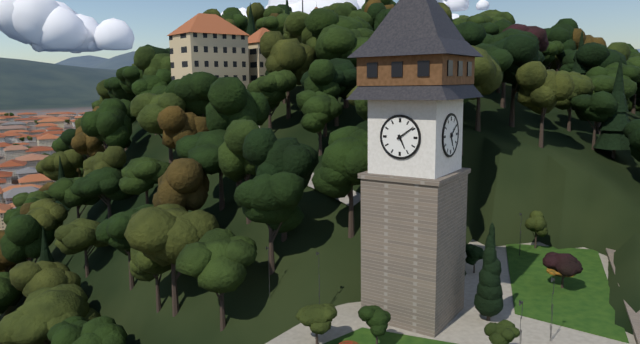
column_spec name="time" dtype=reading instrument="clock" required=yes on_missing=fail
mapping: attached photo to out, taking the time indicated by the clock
5:09
